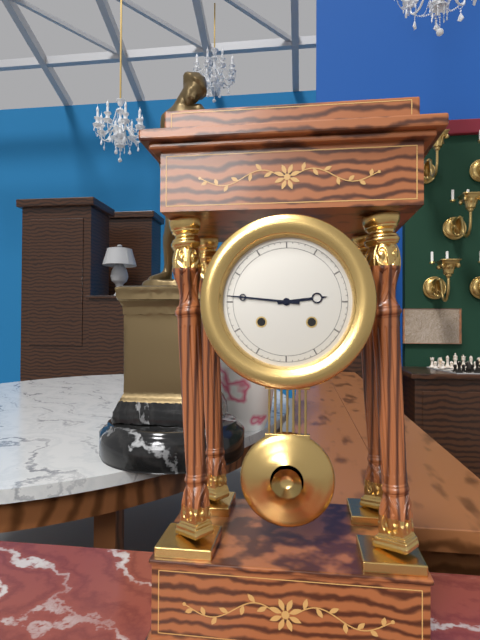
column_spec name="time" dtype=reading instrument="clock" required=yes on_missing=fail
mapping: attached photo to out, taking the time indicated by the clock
2:46
